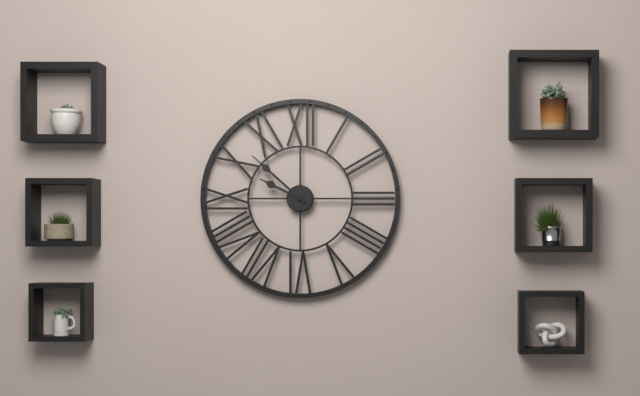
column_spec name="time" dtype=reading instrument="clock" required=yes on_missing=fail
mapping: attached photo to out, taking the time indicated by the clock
9:52
